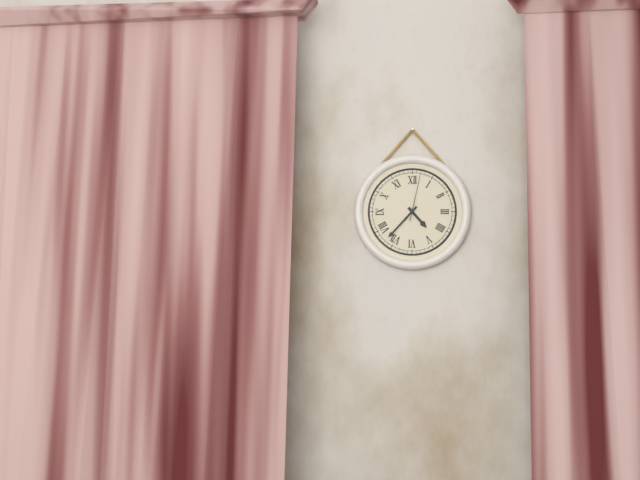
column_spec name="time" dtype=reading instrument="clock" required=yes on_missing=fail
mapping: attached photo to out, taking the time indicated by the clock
4:37
